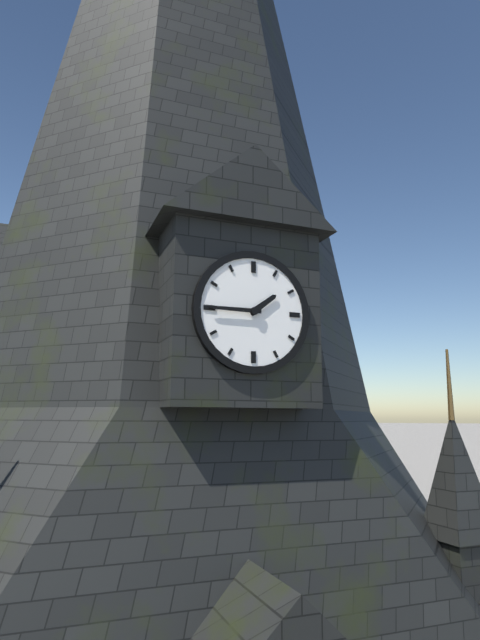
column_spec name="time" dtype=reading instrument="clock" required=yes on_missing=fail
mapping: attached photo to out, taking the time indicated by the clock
1:45
